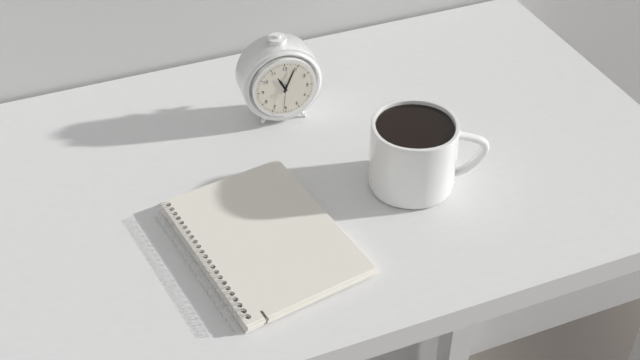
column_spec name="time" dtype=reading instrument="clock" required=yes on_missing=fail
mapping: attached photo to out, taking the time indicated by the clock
11:04
